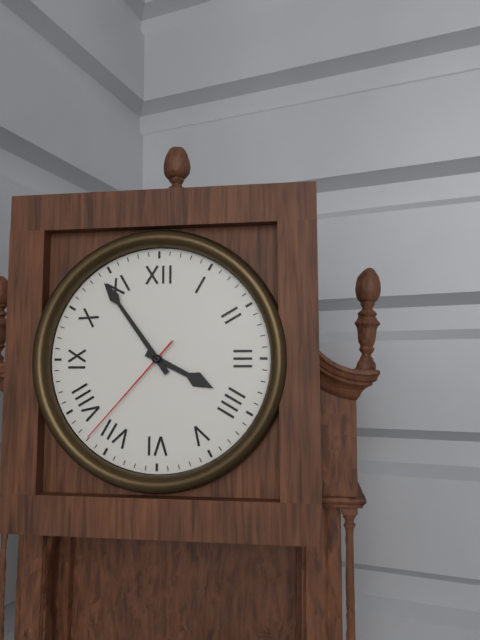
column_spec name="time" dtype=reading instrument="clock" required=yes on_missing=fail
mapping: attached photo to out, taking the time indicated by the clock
3:54:37
